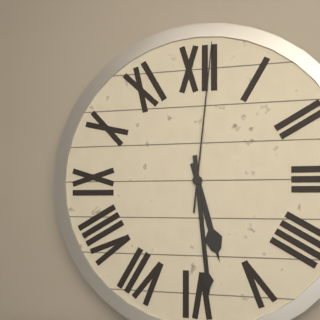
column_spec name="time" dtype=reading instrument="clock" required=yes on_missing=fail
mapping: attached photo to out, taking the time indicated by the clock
5:29:01
